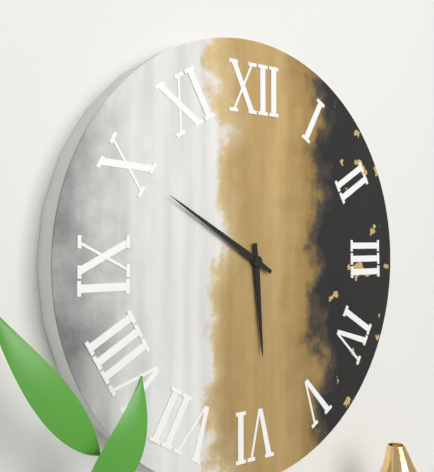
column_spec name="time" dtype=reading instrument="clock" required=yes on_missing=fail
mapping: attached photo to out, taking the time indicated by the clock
5:50
